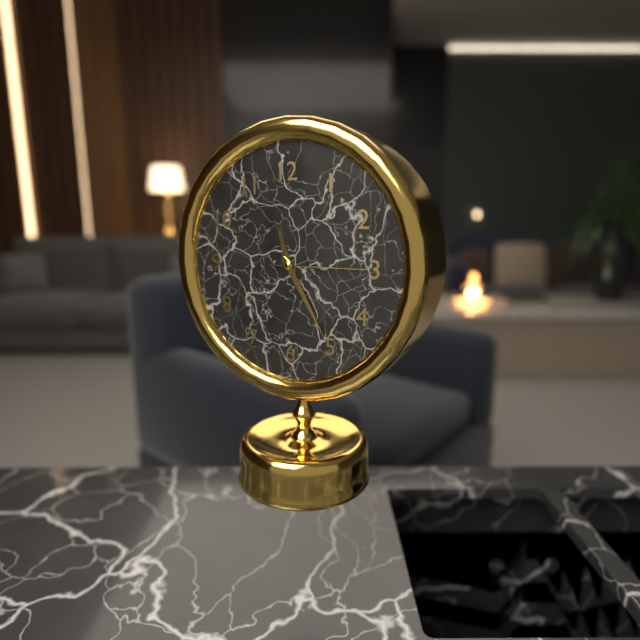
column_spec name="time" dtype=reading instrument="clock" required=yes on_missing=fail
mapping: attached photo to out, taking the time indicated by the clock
11:25:15
